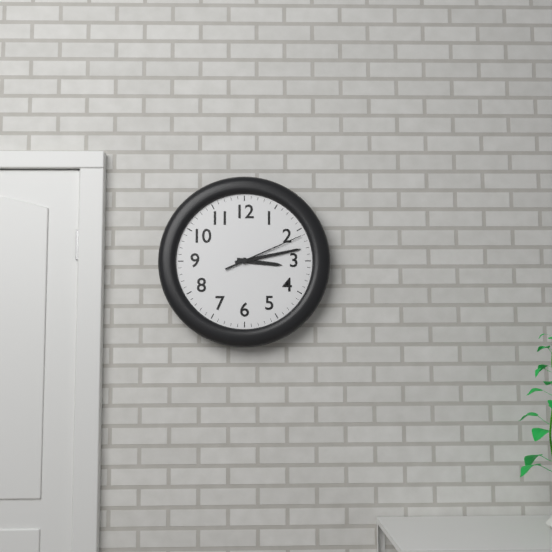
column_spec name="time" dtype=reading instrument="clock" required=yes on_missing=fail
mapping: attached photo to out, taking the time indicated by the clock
3:13:11
